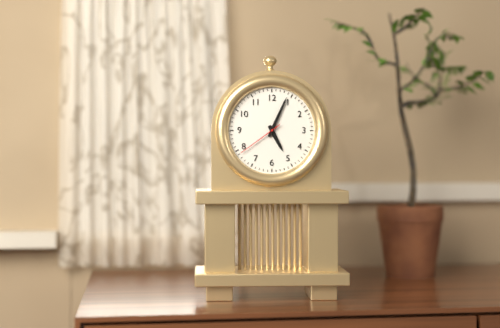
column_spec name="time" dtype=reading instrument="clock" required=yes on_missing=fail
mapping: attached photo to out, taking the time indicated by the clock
5:04
